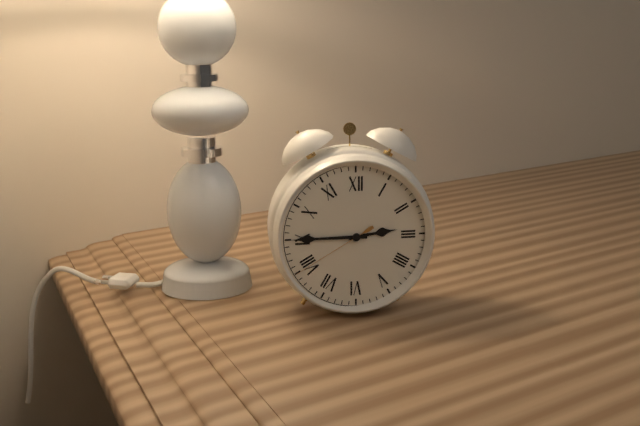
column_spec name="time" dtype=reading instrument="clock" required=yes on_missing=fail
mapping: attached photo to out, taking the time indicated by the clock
2:45:40
